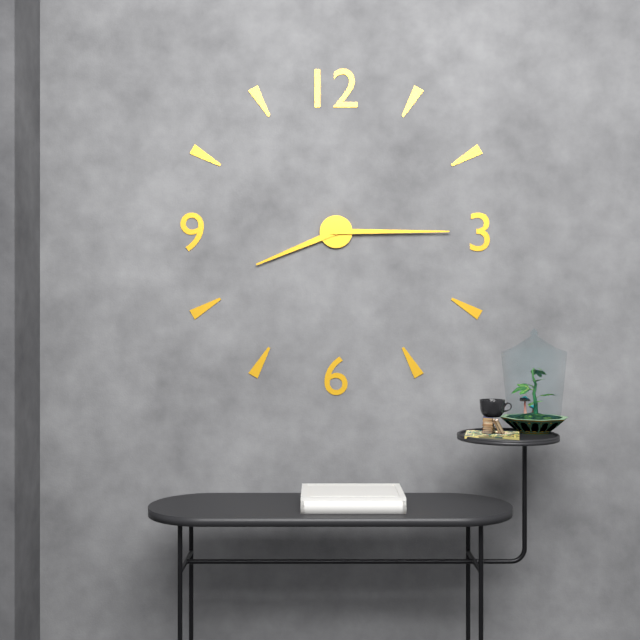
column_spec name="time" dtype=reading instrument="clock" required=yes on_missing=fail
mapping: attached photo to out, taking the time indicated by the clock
8:15
